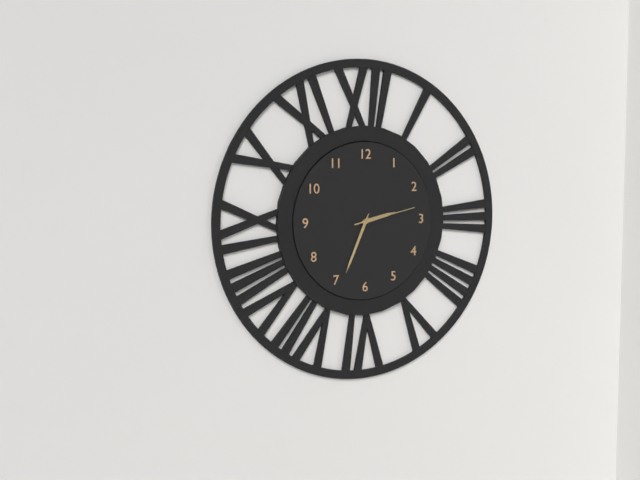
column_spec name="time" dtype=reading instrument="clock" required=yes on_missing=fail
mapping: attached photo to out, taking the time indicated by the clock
2:34:13
